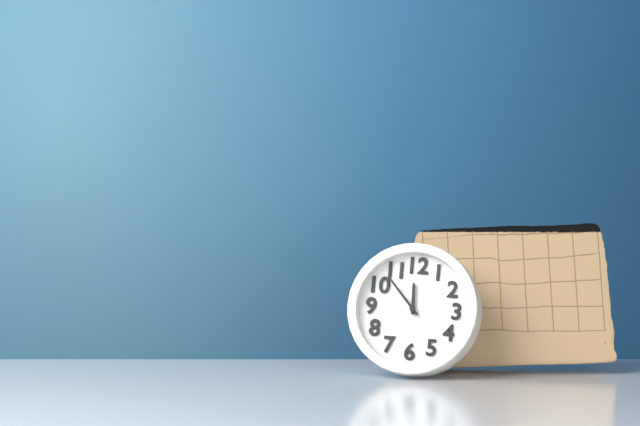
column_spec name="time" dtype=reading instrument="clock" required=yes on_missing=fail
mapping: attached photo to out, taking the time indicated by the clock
11:53
